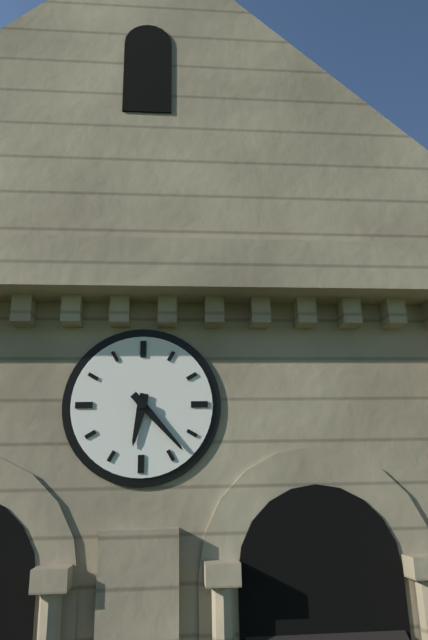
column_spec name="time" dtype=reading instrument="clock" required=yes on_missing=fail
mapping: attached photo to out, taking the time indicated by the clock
6:23
